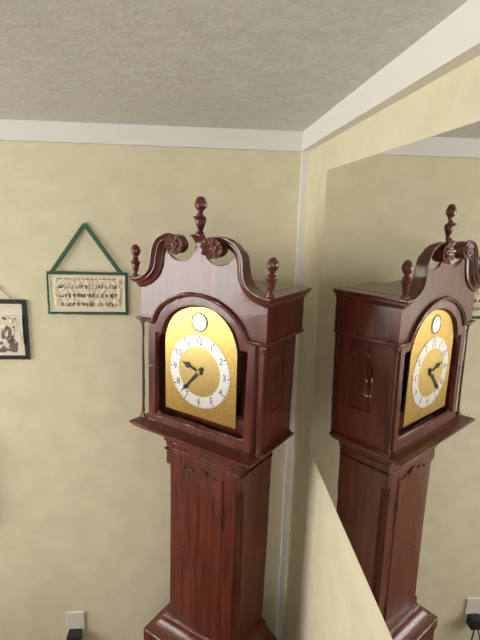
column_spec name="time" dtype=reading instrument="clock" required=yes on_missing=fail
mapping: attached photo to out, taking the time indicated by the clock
9:37
